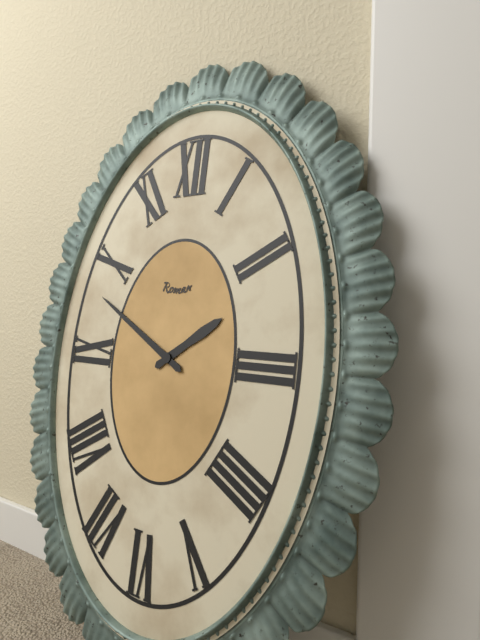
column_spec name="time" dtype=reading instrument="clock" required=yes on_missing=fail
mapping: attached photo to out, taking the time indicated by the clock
1:50
